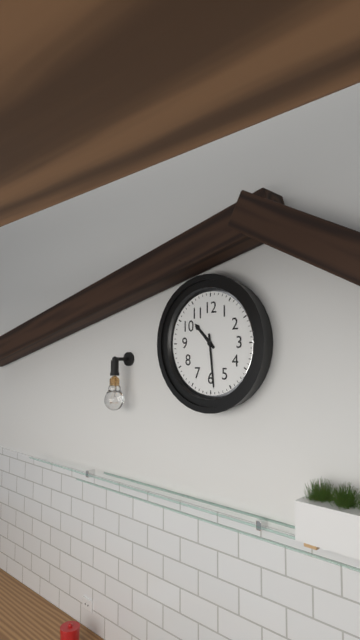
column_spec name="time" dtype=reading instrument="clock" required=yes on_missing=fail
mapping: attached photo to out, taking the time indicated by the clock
10:29
